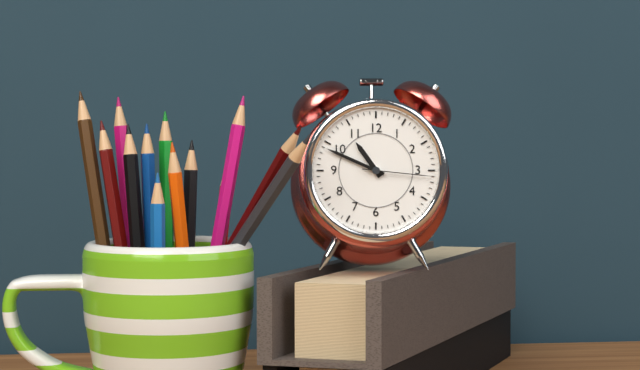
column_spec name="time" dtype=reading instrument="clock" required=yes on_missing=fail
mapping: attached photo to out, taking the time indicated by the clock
10:49:16
